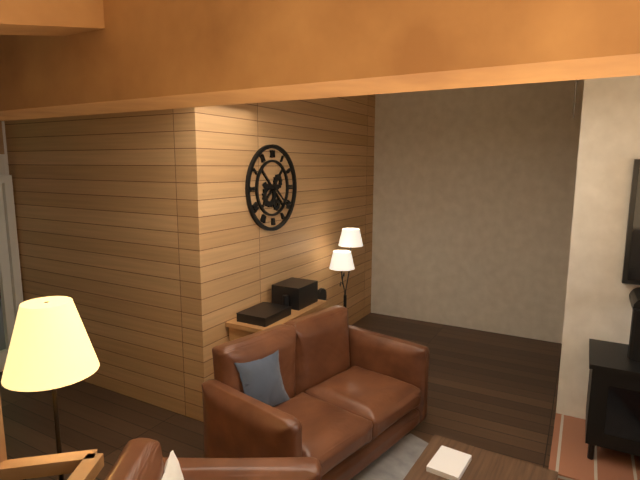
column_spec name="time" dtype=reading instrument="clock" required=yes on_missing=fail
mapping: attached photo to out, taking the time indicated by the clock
9:22
